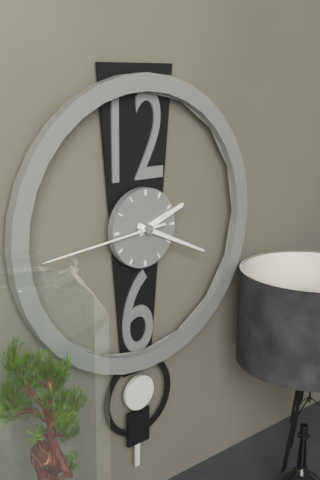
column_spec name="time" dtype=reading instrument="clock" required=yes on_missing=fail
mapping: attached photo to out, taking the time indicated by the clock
2:19:44
